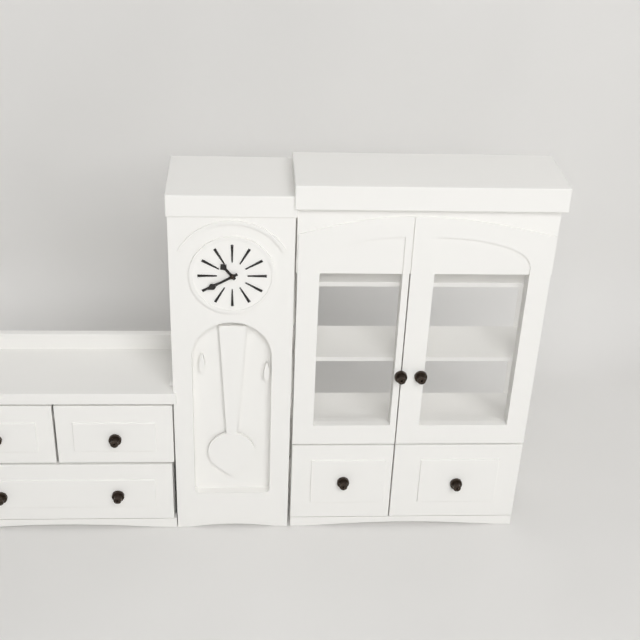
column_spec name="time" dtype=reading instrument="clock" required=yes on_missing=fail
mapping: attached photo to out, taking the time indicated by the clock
10:40
